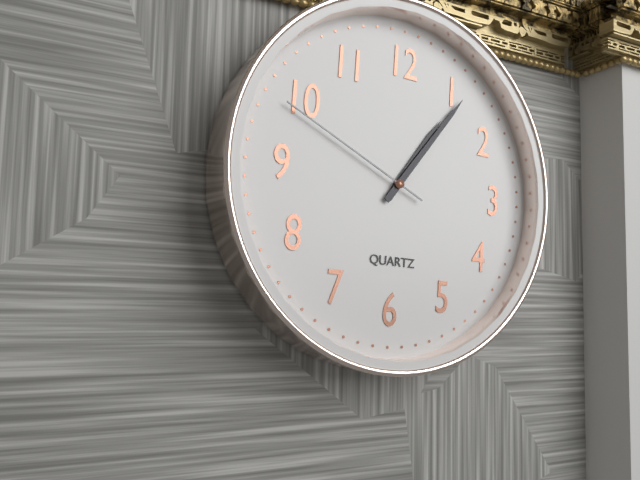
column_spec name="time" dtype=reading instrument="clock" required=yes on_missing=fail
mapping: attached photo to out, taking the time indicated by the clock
1:06:49
